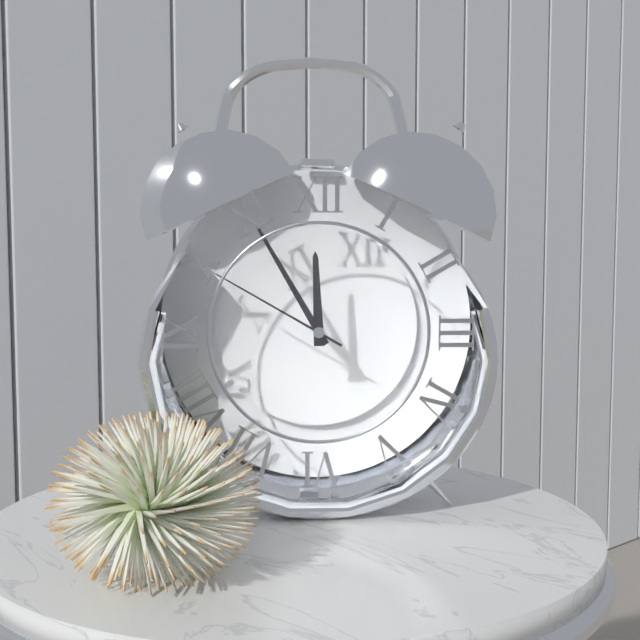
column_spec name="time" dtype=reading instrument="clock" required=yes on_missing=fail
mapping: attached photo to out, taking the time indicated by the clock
11:55:50
